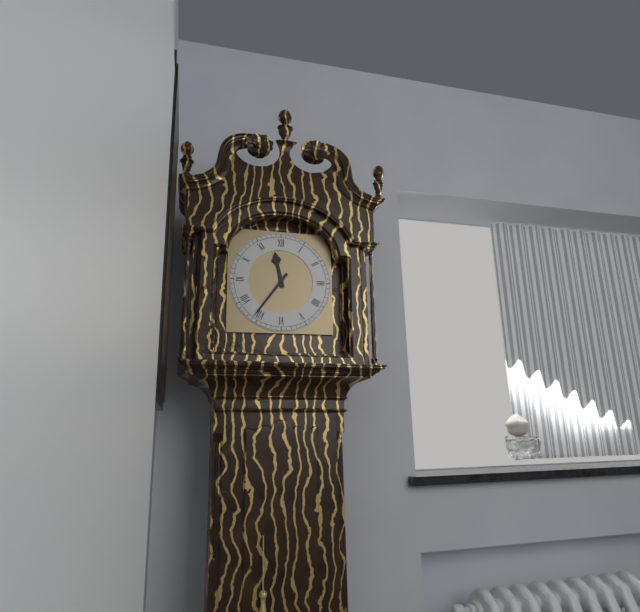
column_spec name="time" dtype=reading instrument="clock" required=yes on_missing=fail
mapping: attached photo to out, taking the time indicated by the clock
11:36
